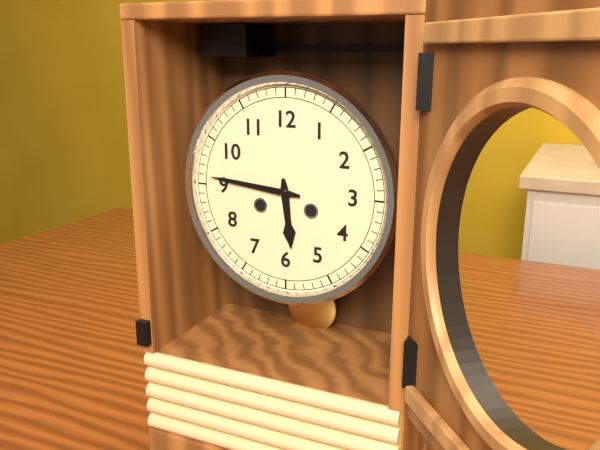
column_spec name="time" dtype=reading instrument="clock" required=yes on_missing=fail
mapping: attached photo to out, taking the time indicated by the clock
5:46
